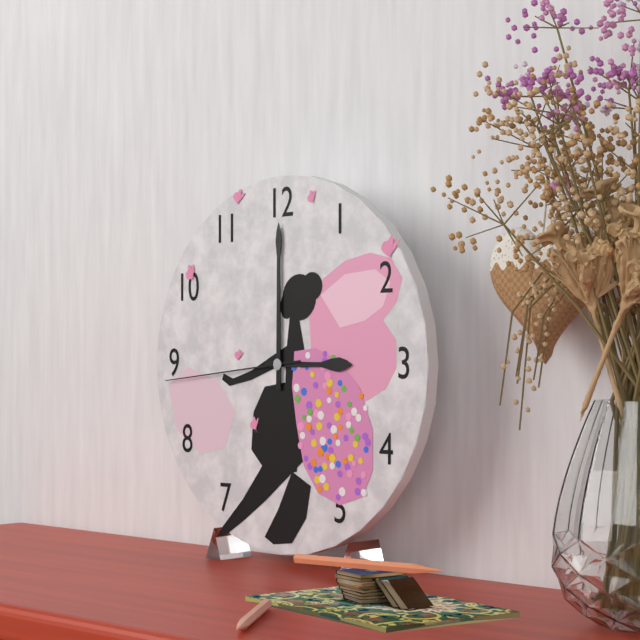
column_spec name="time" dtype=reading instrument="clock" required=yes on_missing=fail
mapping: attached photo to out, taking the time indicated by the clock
3:00:44
